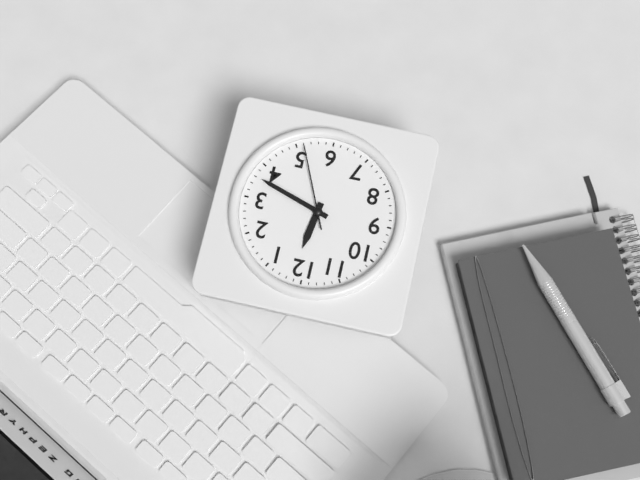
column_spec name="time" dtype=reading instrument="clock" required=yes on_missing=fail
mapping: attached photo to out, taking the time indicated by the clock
12:18:26
